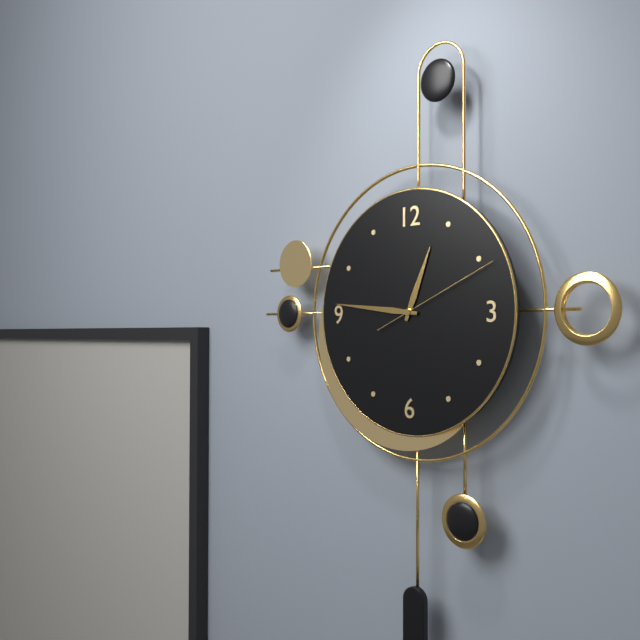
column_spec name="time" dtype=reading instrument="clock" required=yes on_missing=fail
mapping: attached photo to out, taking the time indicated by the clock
12:46:11
